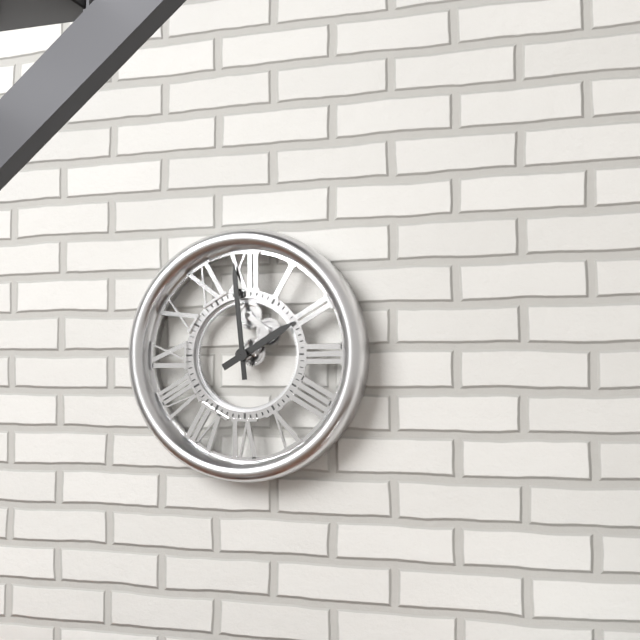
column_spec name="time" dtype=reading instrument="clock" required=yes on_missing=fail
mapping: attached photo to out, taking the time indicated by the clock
1:59
